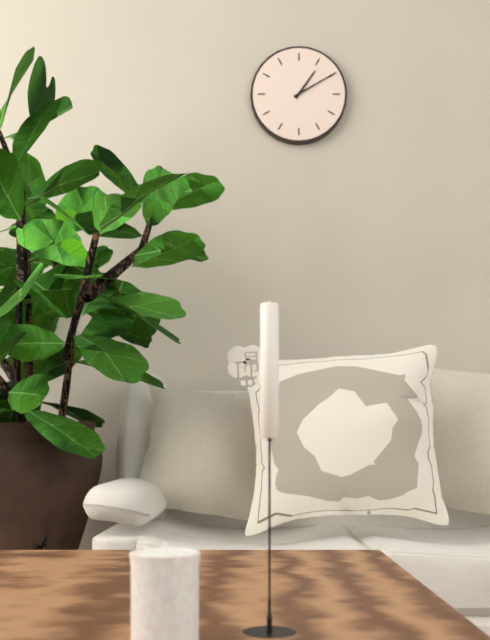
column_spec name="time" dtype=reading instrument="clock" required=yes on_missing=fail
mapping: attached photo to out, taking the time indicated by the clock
1:10
